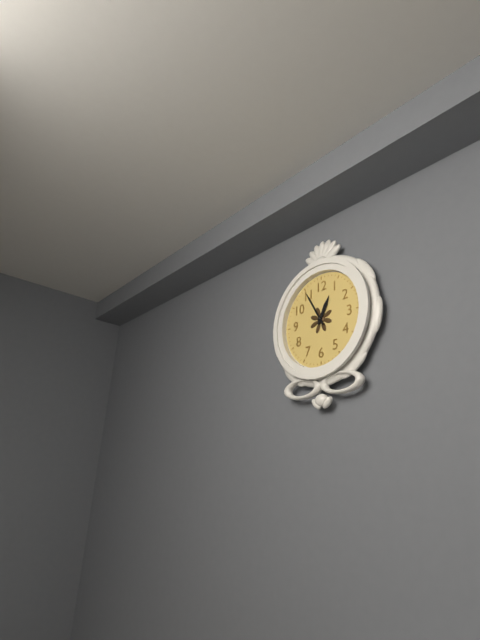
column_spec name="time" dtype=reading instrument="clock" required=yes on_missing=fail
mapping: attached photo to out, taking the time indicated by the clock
12:55
